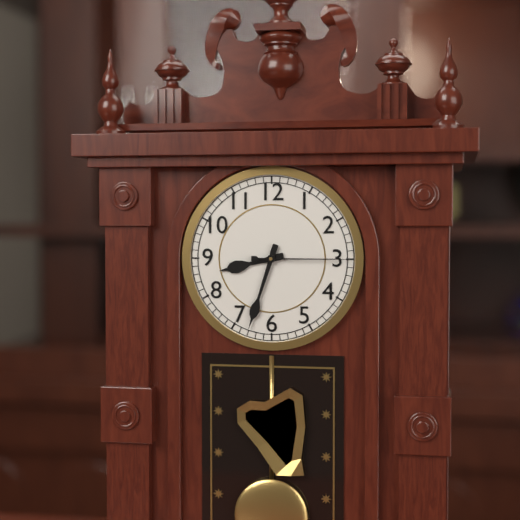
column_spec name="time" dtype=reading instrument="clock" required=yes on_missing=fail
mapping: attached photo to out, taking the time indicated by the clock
8:33:15
